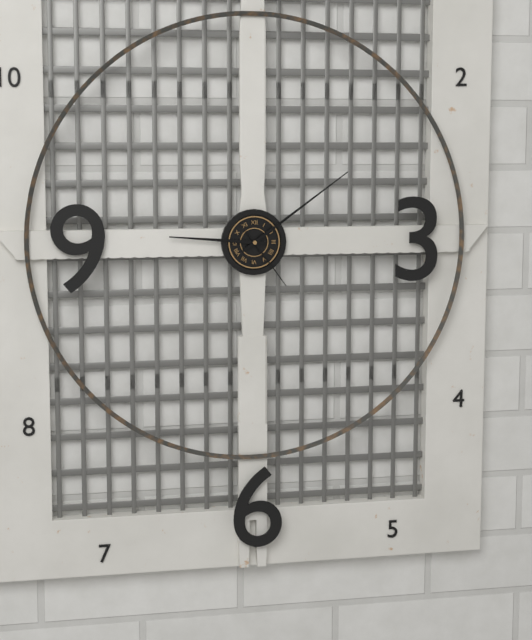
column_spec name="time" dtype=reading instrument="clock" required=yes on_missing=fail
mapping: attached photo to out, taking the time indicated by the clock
9:09:24
